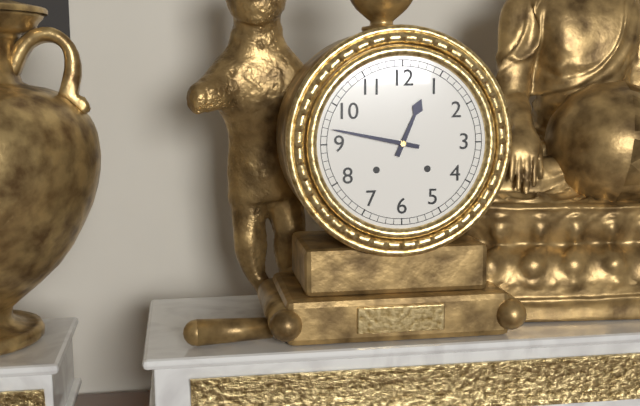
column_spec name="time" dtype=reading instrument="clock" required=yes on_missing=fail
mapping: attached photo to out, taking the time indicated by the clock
12:47
